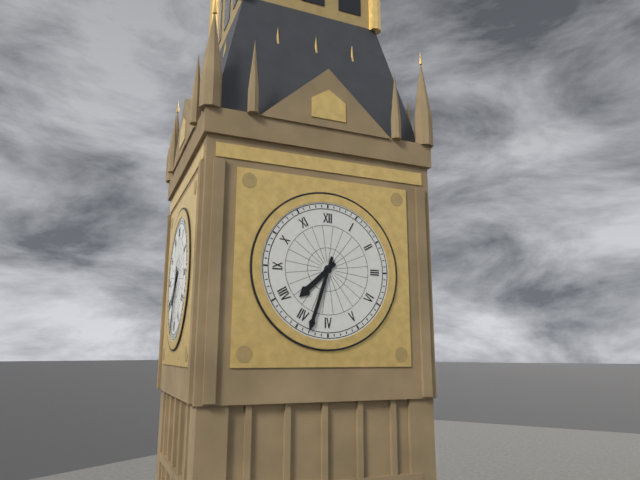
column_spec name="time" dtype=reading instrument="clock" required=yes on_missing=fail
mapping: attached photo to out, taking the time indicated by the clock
7:33
